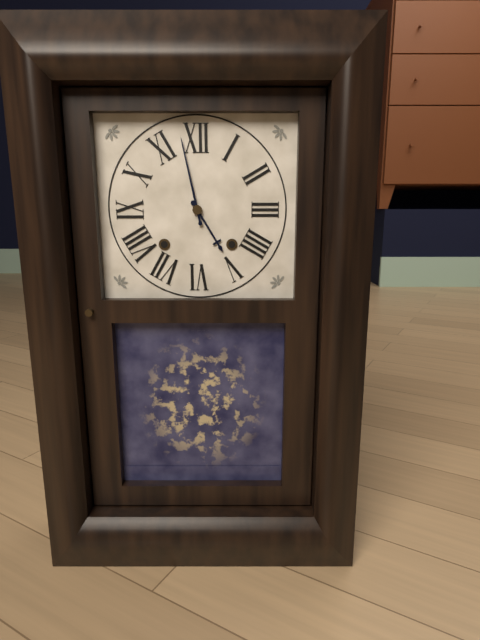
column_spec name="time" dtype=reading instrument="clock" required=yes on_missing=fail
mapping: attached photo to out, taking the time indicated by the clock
4:58
